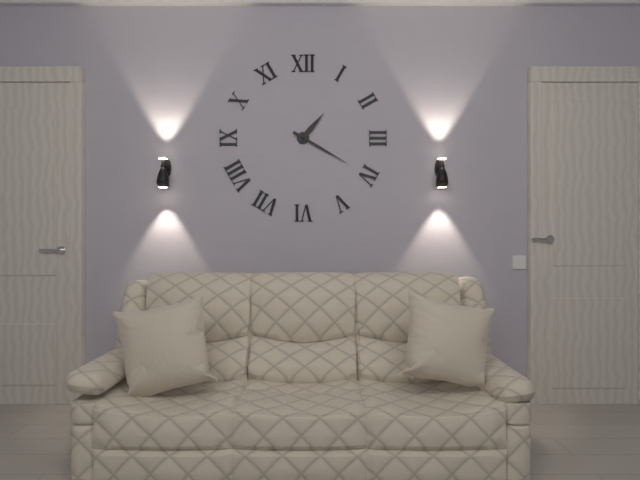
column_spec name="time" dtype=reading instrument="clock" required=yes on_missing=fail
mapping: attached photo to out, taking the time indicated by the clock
1:20
